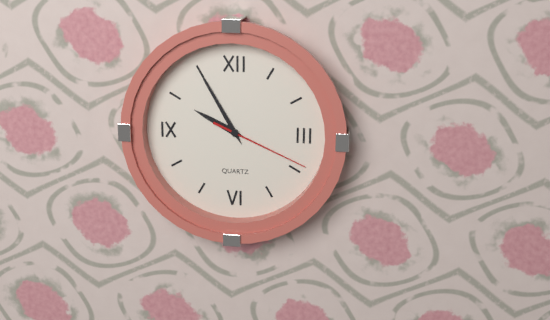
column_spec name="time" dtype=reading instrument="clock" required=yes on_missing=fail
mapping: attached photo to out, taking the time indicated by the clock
9:55:19
